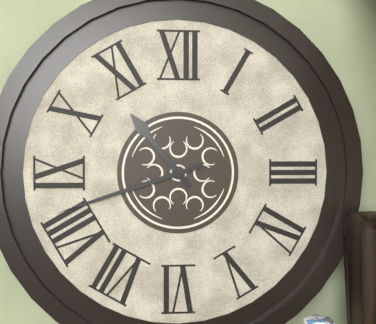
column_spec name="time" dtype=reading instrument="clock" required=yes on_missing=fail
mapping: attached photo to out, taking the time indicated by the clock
10:42
